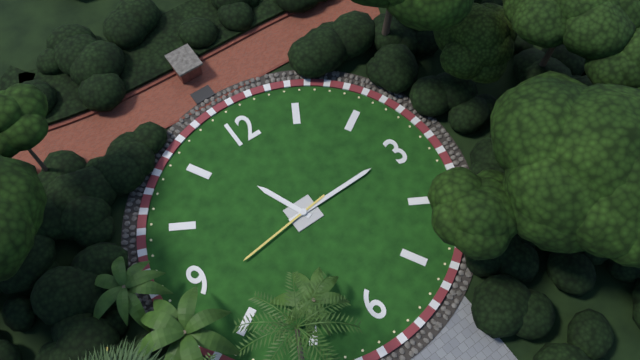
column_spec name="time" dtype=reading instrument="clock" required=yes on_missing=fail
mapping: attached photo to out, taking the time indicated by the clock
11:15:44
